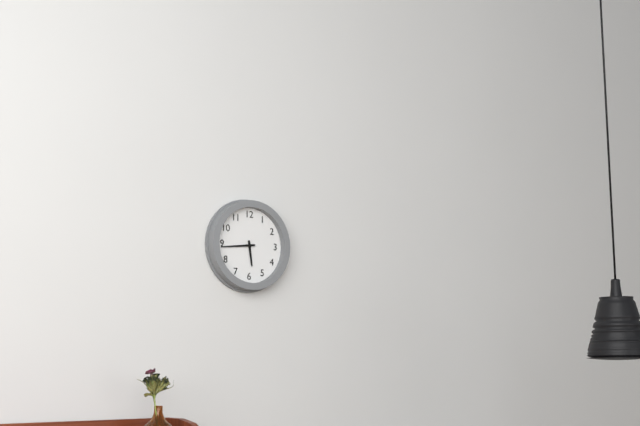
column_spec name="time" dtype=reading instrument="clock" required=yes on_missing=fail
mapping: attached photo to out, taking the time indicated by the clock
5:44
